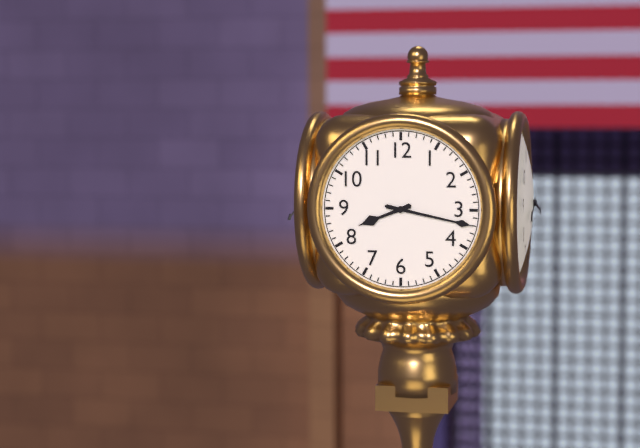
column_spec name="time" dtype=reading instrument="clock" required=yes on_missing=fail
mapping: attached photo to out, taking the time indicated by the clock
8:17
